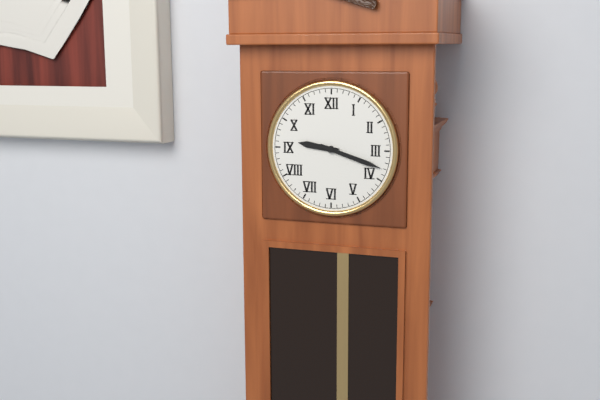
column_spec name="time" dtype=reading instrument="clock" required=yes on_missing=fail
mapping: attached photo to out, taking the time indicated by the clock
9:18
